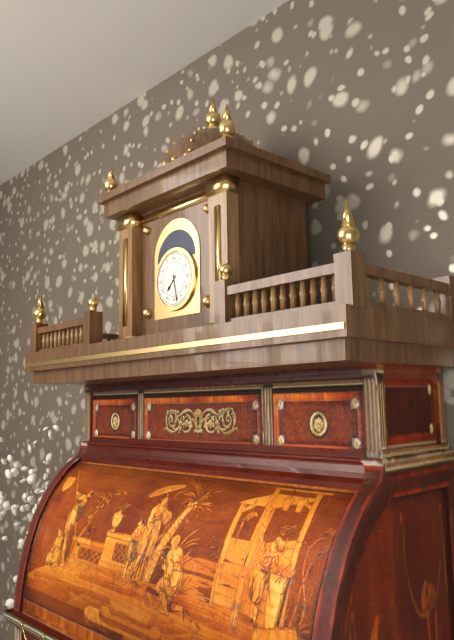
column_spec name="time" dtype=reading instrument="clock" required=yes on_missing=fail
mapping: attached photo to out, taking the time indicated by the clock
7:28
